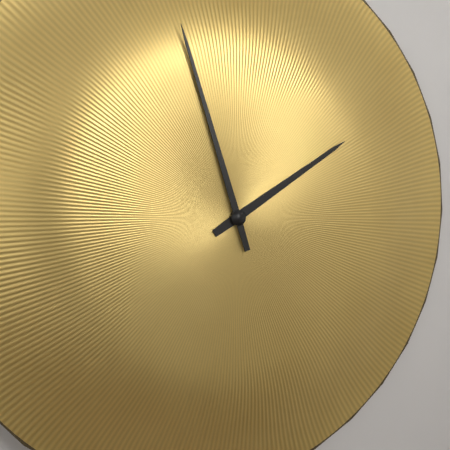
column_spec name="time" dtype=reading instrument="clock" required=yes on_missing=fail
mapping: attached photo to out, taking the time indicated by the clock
1:57
